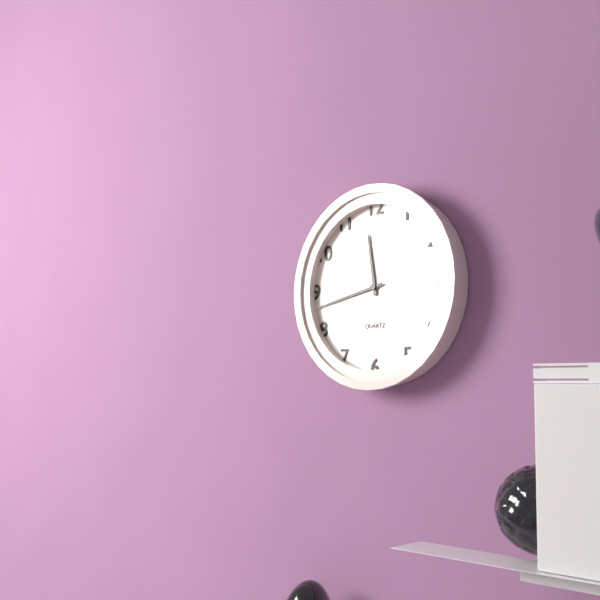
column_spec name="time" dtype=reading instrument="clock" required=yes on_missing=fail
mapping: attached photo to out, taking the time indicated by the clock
11:43
